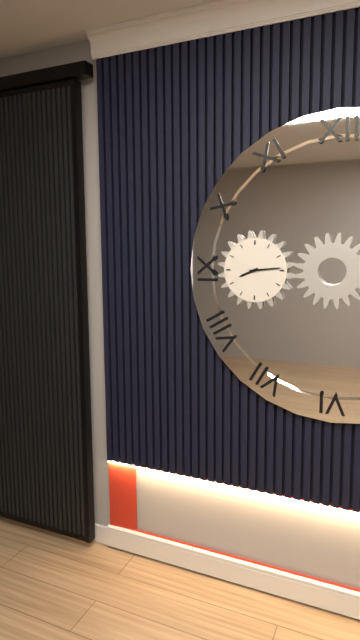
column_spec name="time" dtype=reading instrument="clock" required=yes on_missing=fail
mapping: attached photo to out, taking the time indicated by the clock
8:14
